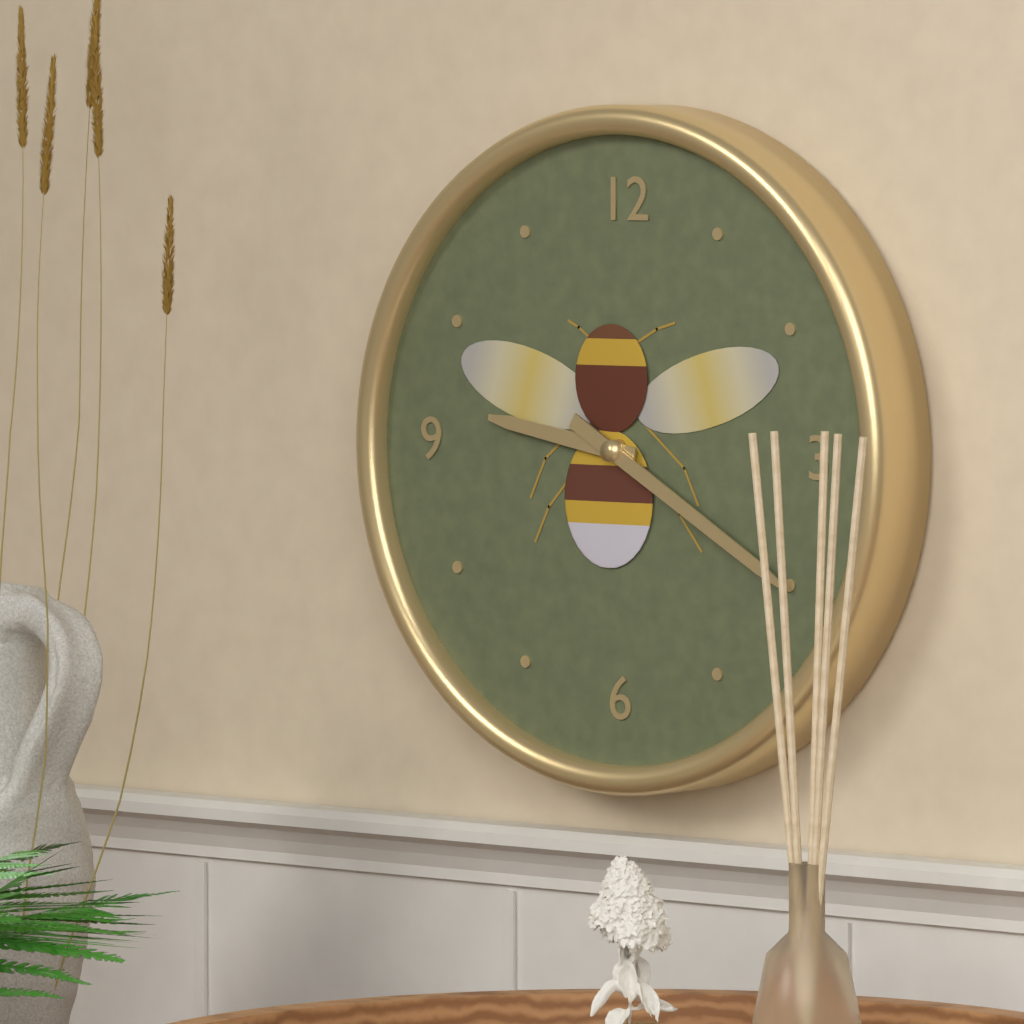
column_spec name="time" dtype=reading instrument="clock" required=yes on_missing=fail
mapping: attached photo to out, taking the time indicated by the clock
9:20
